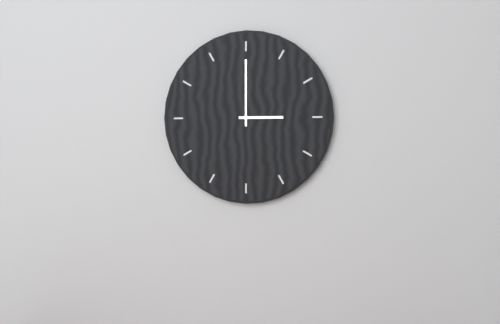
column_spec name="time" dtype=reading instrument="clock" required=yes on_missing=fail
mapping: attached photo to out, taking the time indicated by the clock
3:00
